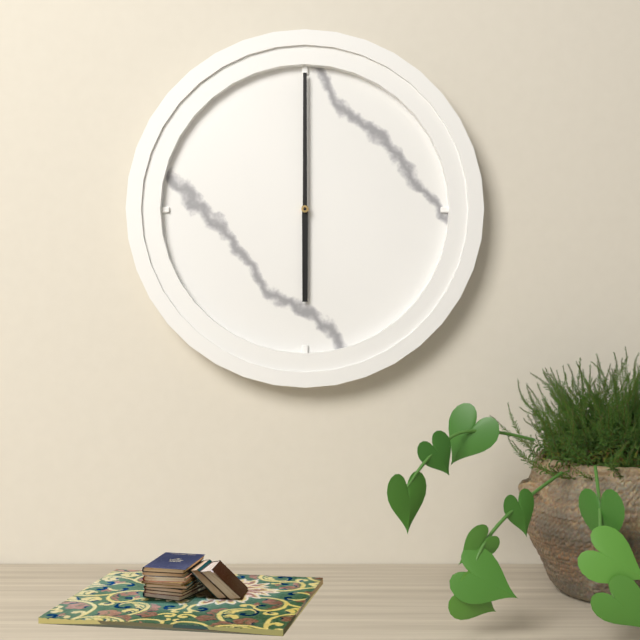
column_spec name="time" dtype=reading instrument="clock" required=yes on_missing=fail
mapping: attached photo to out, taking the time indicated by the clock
6:00
